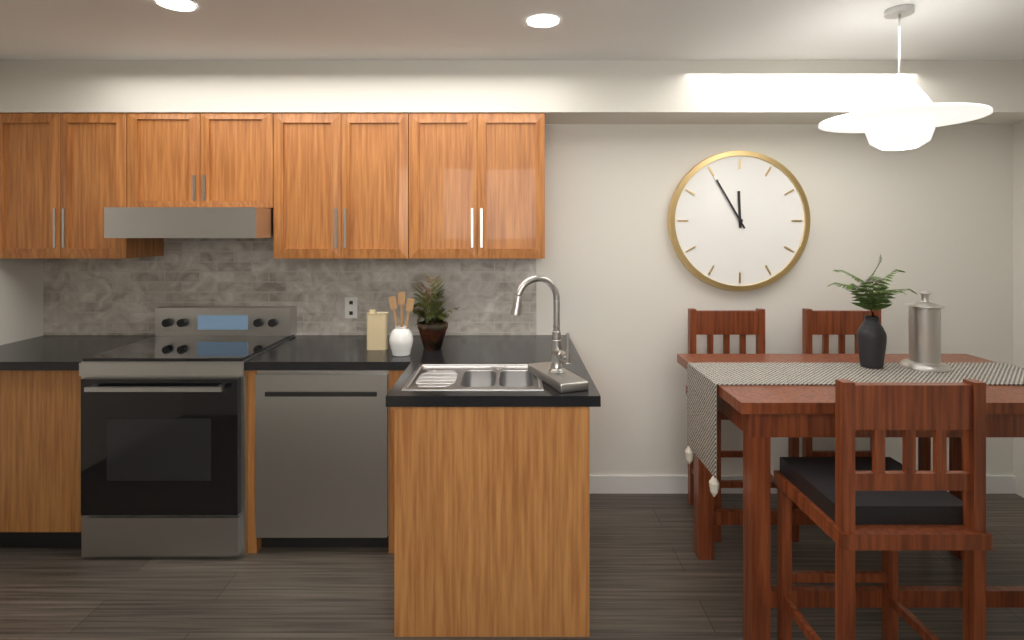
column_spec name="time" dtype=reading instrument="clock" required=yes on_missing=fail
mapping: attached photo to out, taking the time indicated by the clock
11:55
